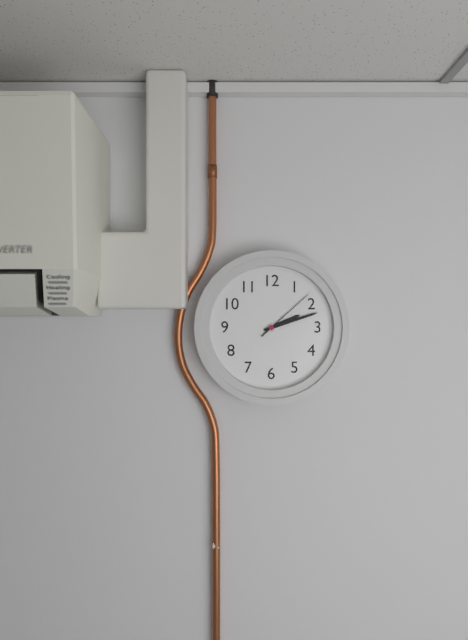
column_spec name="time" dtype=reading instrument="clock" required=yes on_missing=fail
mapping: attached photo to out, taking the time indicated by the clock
2:12:08
